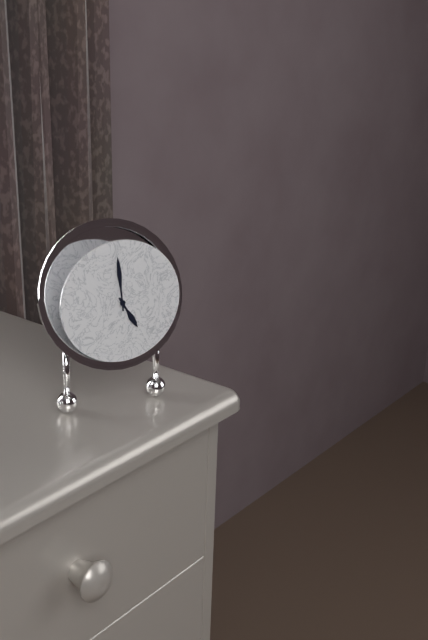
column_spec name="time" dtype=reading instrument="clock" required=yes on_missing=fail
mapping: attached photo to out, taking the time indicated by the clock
4:59
